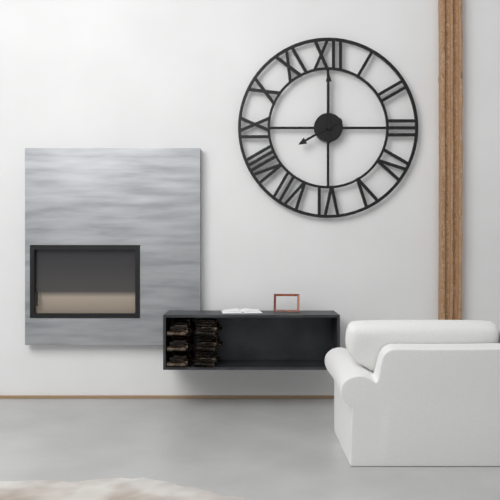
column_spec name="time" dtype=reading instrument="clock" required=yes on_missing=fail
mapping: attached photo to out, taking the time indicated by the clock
8:00
